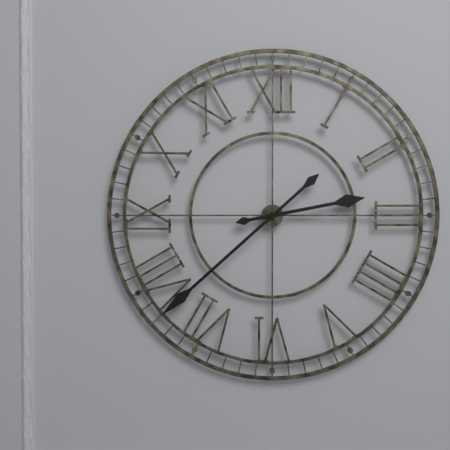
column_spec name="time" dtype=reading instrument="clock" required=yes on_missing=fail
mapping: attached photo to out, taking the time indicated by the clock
2:38
